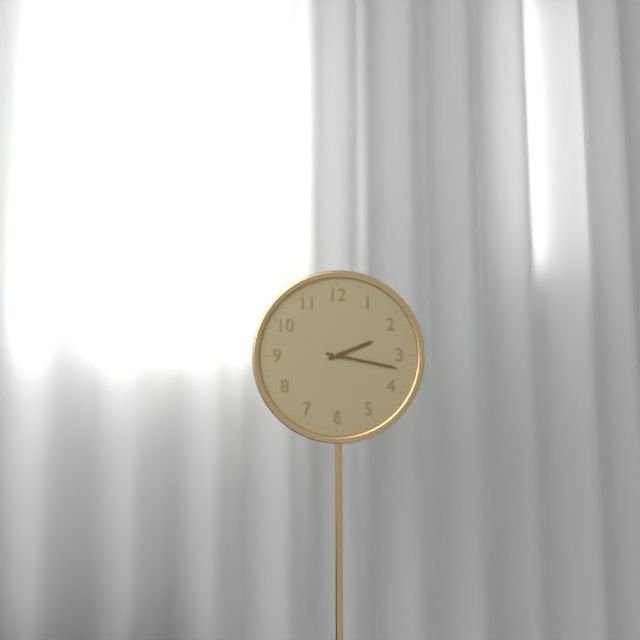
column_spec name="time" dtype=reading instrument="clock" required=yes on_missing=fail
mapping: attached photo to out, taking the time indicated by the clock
2:17
